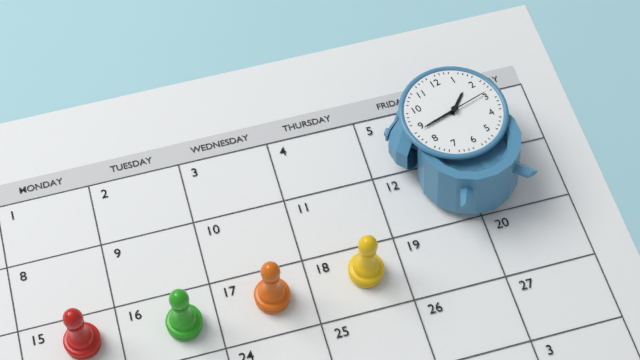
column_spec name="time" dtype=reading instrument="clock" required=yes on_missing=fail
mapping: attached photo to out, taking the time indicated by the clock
1:44
